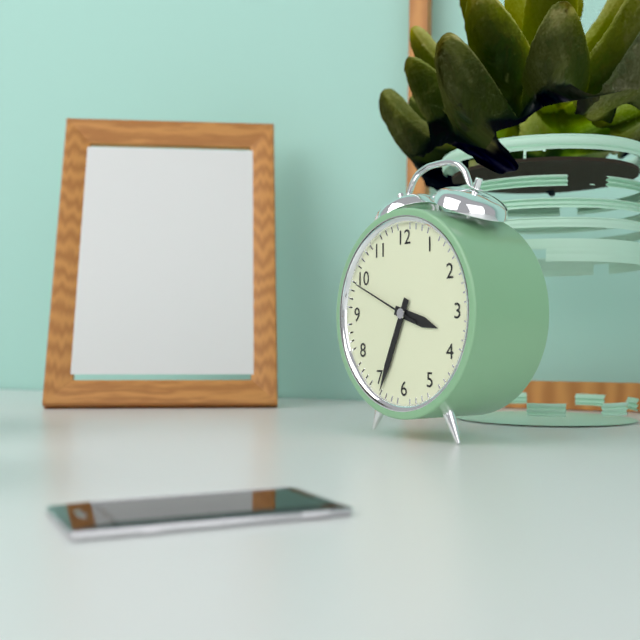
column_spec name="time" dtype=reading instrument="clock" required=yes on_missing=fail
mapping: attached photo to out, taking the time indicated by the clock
3:34:49
